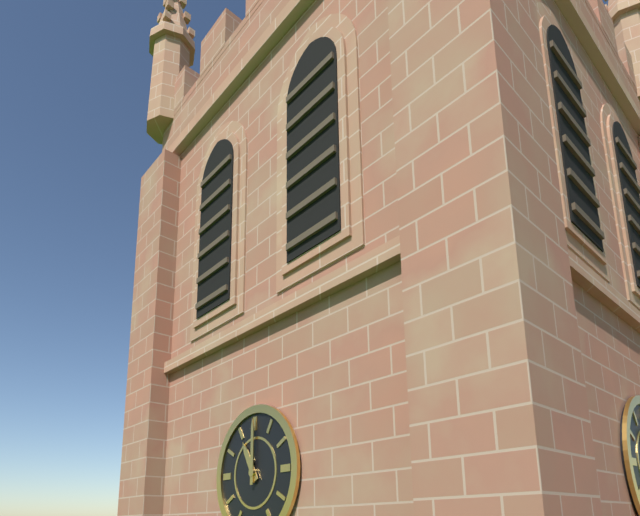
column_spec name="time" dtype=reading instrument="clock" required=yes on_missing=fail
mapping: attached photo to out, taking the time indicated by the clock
11:00
